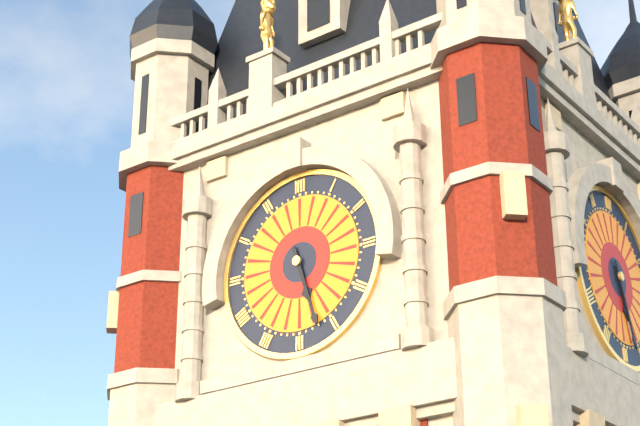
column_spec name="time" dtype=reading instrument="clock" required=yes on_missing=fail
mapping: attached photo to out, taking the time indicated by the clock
5:27
